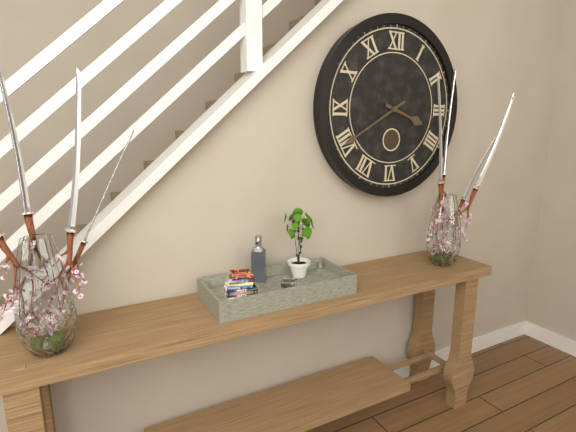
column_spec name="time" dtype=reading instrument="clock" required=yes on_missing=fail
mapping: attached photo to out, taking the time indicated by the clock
3:40
